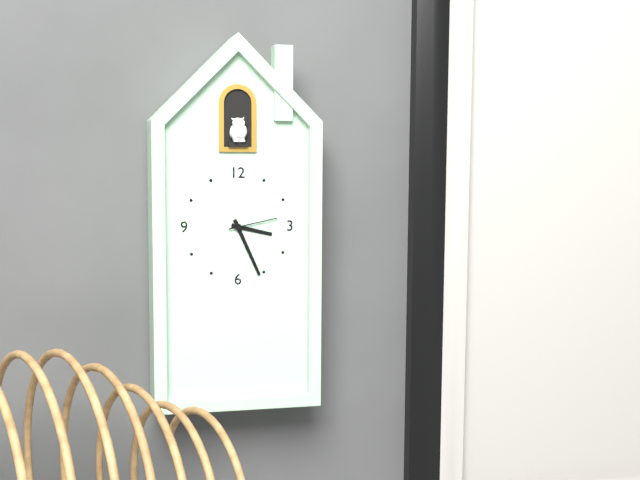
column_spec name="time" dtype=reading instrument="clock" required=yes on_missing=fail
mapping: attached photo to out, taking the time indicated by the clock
3:26:13
